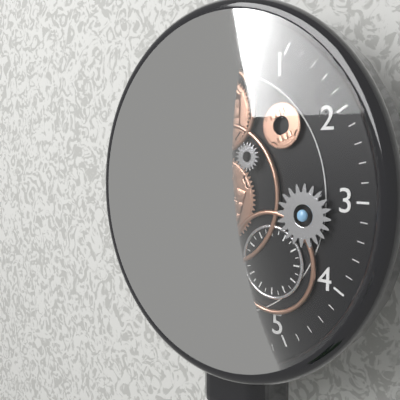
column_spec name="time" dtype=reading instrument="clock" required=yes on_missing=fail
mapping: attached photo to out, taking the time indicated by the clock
6:27
